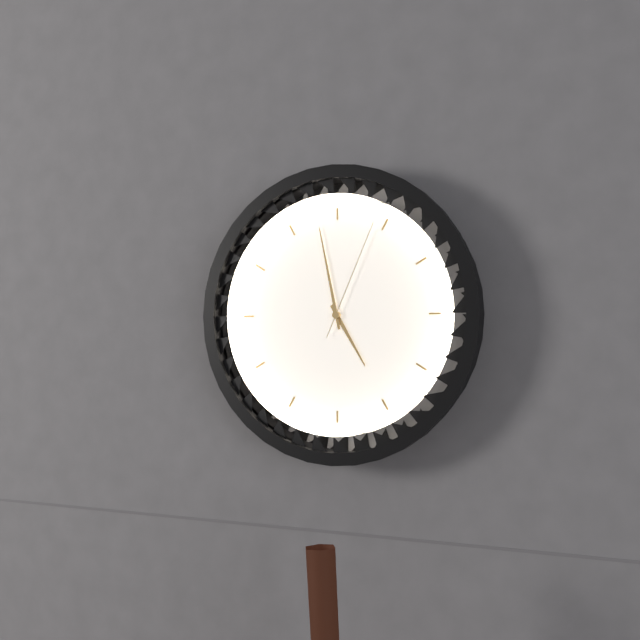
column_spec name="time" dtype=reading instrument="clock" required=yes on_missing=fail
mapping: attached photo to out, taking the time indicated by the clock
4:58:04
